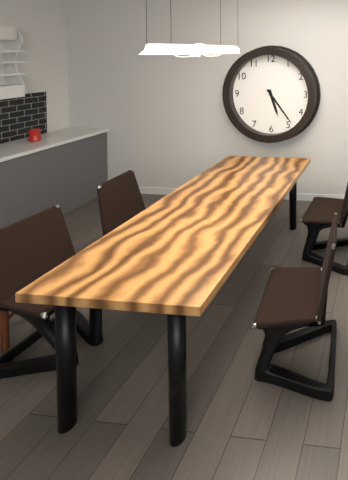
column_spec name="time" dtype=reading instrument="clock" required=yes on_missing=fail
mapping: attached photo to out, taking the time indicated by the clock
5:24
